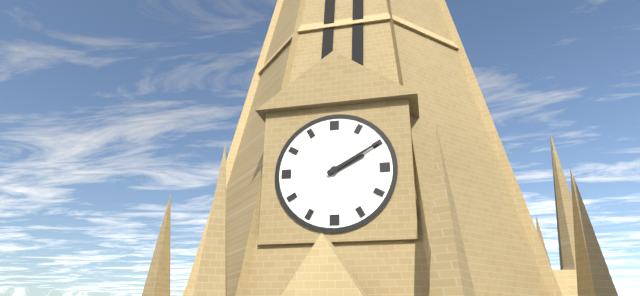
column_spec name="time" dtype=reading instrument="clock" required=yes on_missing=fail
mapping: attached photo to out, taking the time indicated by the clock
2:10
